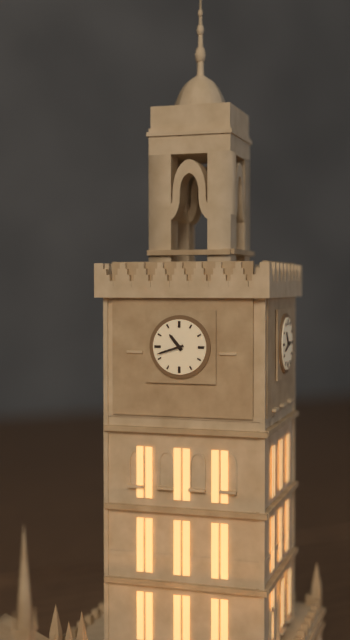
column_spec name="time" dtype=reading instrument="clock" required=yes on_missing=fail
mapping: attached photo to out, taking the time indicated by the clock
10:42
